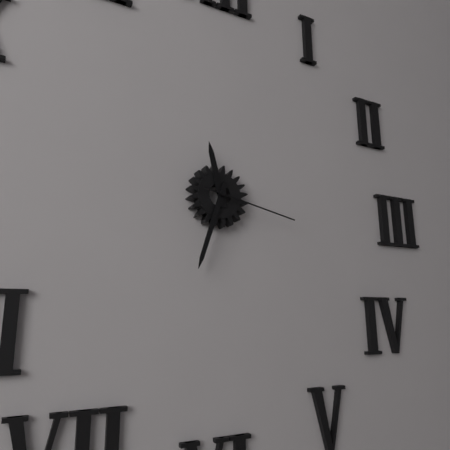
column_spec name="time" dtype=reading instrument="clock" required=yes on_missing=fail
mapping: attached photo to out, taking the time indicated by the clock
11:33:17
